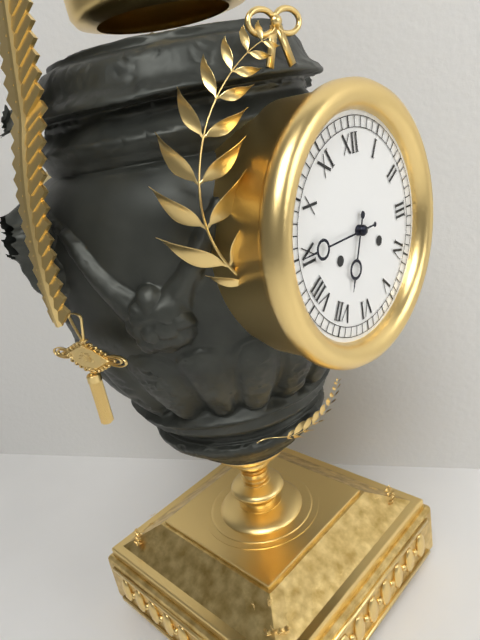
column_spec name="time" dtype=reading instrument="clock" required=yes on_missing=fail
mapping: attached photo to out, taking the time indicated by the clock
6:45
